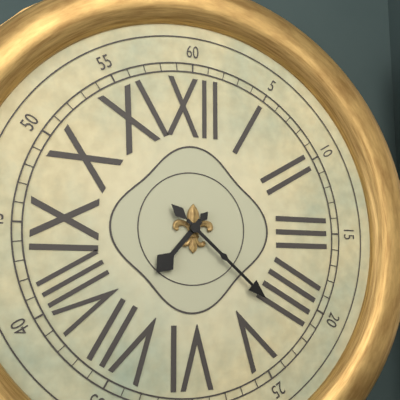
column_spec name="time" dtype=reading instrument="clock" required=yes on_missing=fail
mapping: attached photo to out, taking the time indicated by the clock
7:22
